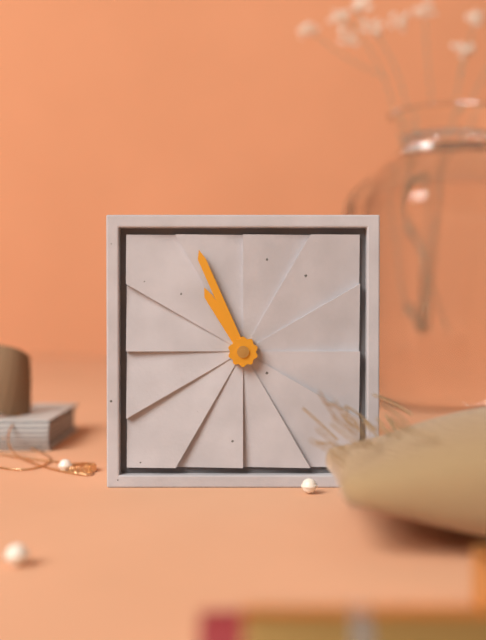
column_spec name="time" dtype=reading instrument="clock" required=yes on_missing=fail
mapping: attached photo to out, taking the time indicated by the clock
10:56
